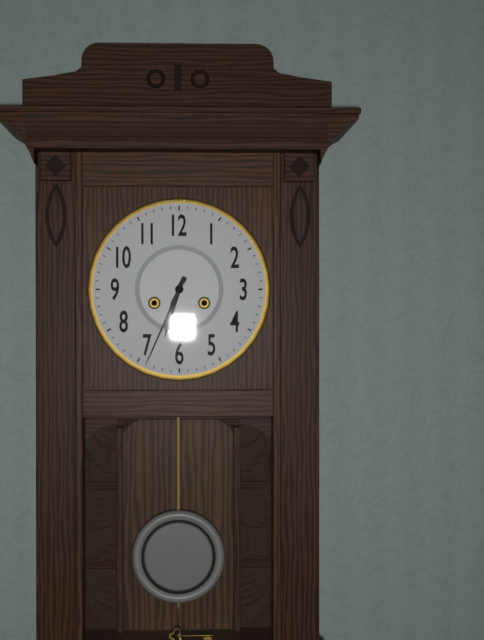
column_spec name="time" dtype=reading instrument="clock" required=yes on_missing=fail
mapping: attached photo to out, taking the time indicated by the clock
6:34
